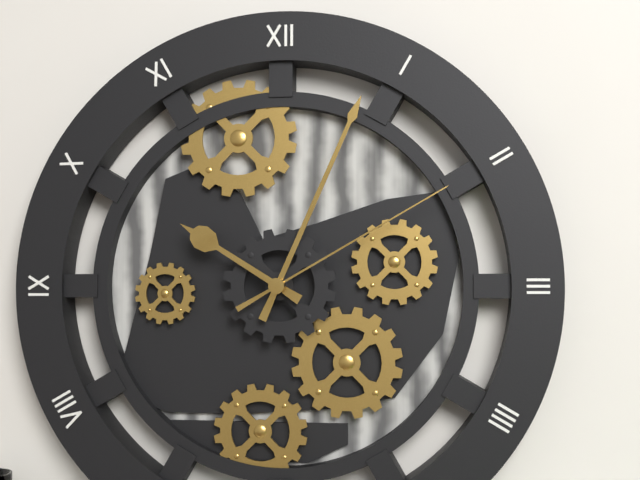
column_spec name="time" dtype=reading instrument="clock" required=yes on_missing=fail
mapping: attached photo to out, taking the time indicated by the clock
10:04:10
